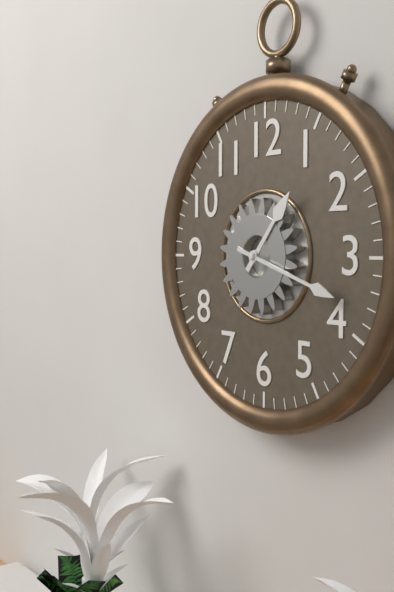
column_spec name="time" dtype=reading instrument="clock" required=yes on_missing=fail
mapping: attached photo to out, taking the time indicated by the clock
1:18
